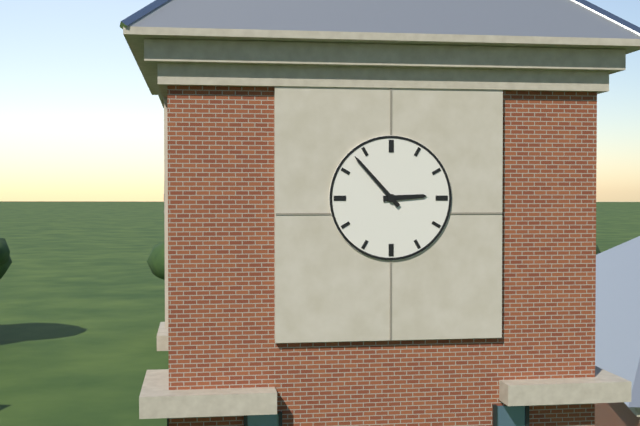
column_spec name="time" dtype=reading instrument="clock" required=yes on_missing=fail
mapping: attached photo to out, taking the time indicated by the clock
2:53
